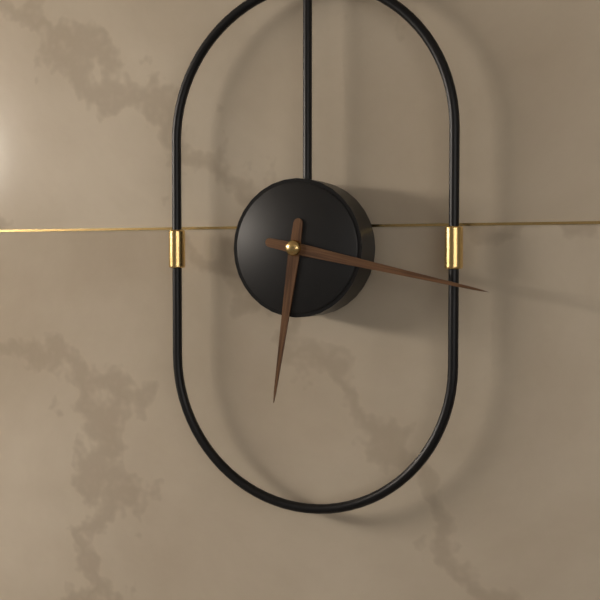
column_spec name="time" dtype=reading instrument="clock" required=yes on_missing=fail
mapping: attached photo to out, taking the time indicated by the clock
6:17
